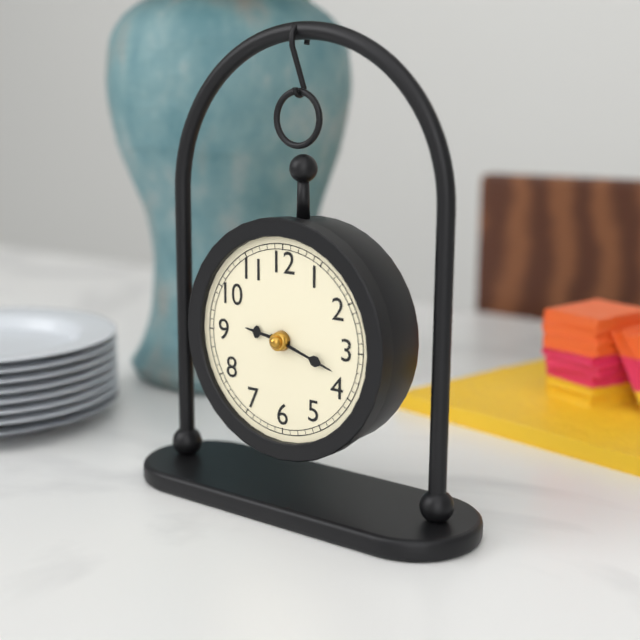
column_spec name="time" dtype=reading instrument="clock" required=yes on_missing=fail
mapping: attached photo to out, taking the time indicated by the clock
9:18
